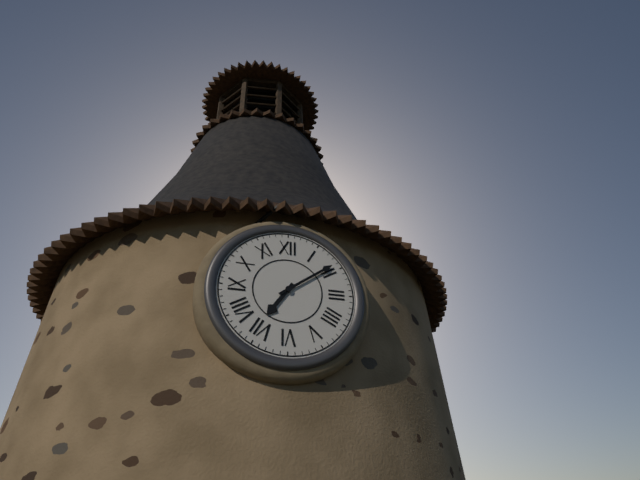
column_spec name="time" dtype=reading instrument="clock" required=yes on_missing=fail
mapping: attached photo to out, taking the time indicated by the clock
7:09
